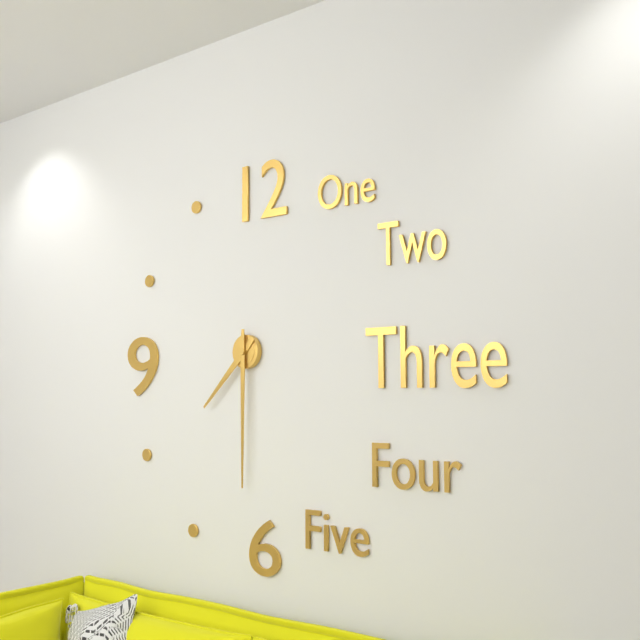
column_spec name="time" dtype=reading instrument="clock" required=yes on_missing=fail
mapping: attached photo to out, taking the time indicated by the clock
7:30
